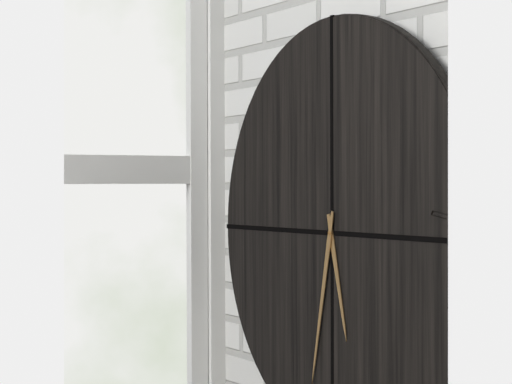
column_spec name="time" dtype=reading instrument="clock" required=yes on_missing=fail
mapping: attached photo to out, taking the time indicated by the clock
5:32
